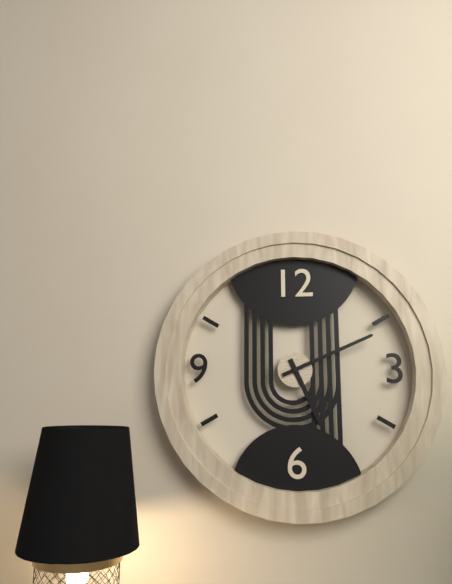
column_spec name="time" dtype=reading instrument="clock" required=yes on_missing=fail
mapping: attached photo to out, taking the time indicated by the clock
5:11
